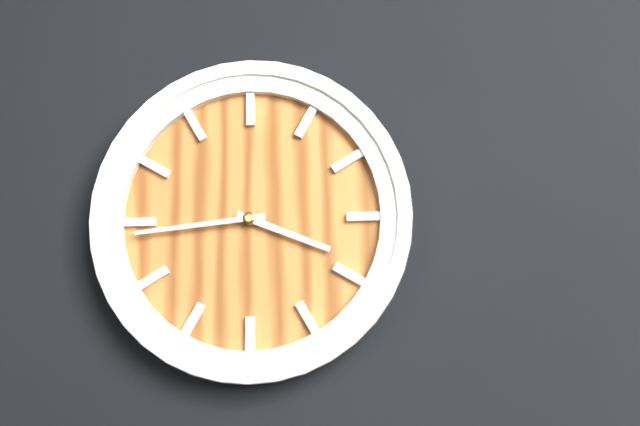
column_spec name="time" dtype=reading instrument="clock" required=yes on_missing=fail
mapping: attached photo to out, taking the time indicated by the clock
3:44
